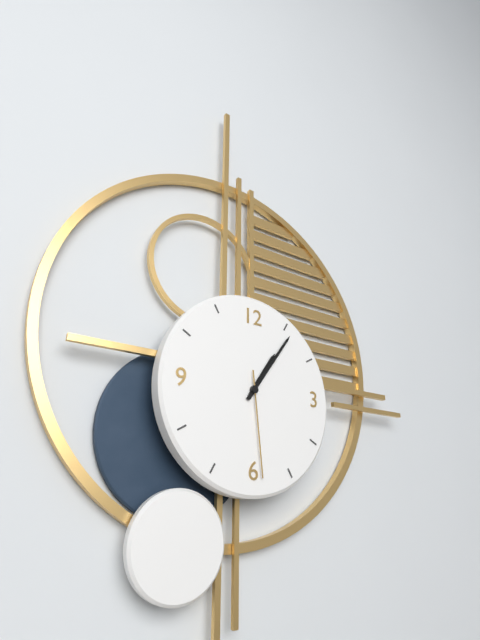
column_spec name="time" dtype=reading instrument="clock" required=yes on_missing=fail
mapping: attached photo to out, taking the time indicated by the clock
1:06:29
